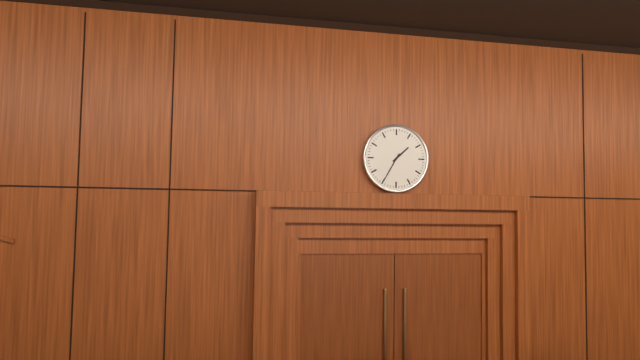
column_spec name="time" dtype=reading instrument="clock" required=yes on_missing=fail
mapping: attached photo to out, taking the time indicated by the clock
1:35
